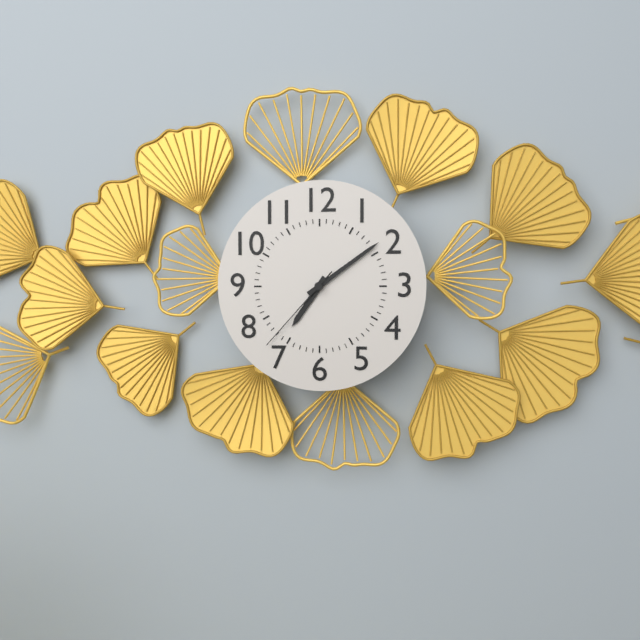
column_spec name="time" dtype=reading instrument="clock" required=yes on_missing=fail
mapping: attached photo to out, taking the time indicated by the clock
7:09:37
